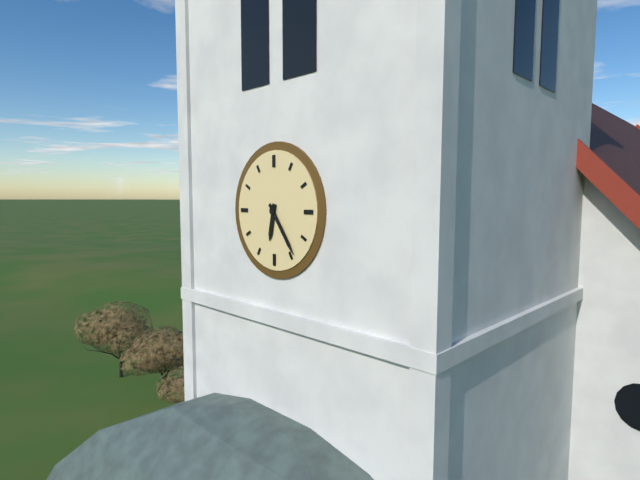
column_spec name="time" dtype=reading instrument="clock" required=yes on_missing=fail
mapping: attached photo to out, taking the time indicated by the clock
6:24
